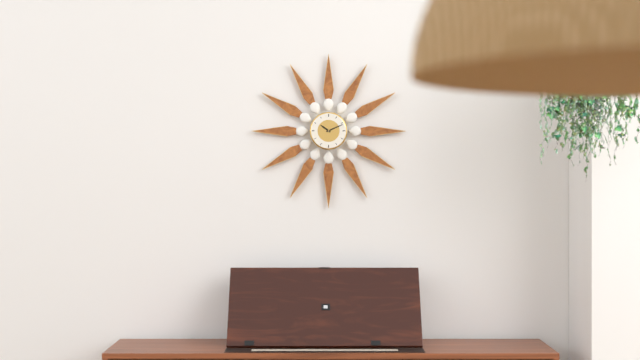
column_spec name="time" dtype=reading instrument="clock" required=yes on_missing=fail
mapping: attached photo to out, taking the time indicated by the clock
10:11
